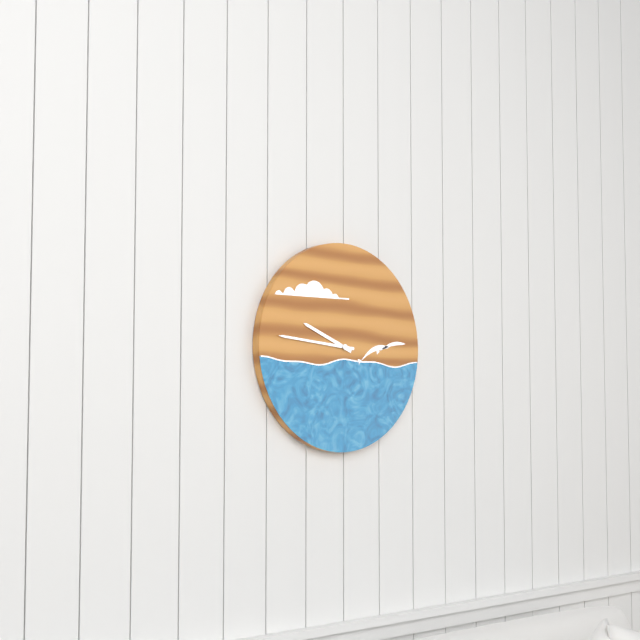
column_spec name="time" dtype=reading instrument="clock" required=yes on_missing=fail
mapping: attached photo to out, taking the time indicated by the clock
9:46
